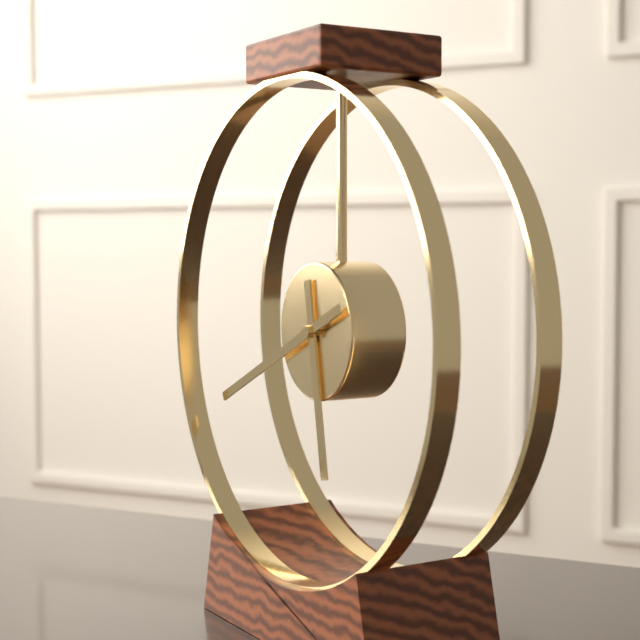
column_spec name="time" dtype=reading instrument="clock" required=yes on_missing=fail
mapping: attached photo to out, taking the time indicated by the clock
5:41
